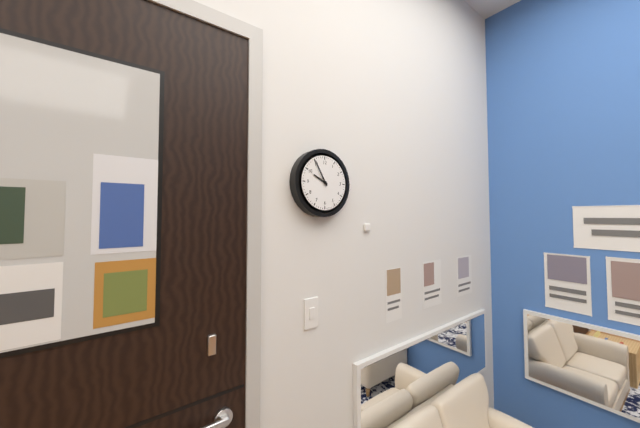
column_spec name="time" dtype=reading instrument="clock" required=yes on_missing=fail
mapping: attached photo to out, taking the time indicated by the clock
9:55
